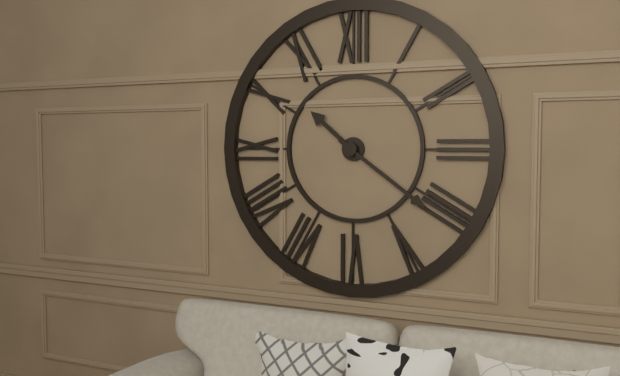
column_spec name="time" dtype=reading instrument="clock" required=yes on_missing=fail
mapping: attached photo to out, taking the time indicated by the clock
10:21
